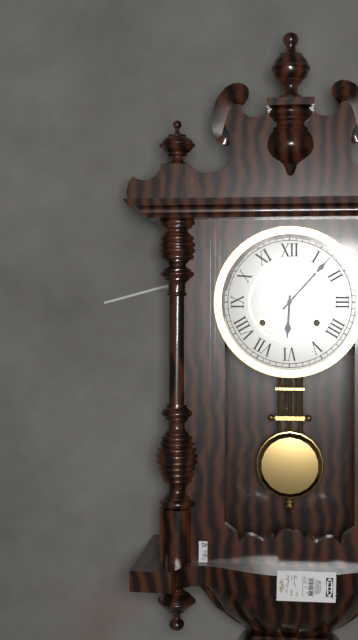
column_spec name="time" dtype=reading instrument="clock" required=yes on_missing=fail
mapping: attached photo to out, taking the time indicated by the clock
6:07
